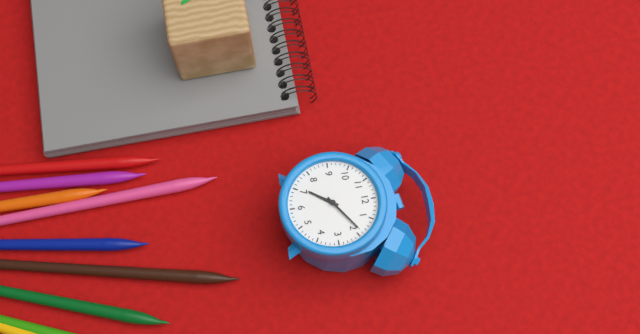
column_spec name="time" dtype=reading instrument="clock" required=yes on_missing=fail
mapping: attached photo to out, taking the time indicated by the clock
7:09
